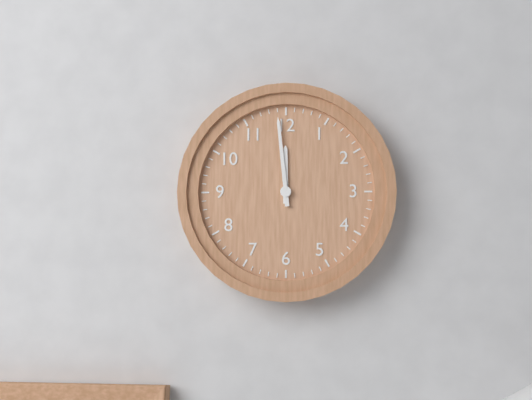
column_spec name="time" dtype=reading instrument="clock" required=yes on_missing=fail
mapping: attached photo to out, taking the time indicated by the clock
11:59
